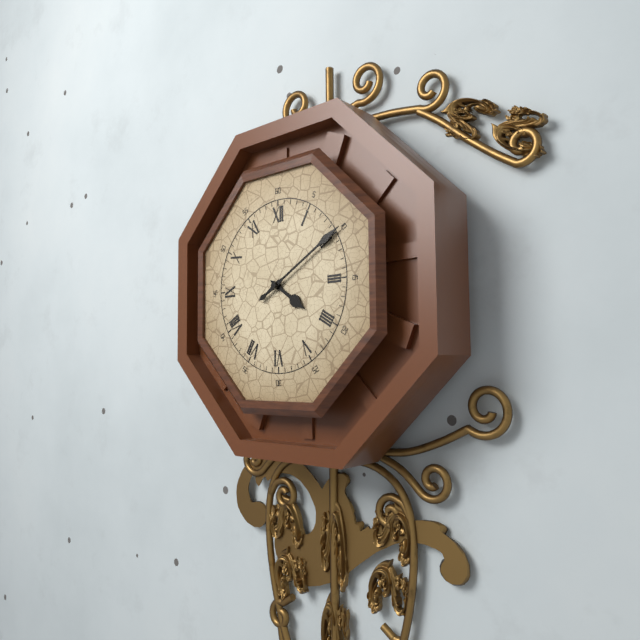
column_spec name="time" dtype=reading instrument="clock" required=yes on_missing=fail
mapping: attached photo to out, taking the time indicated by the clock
4:10
